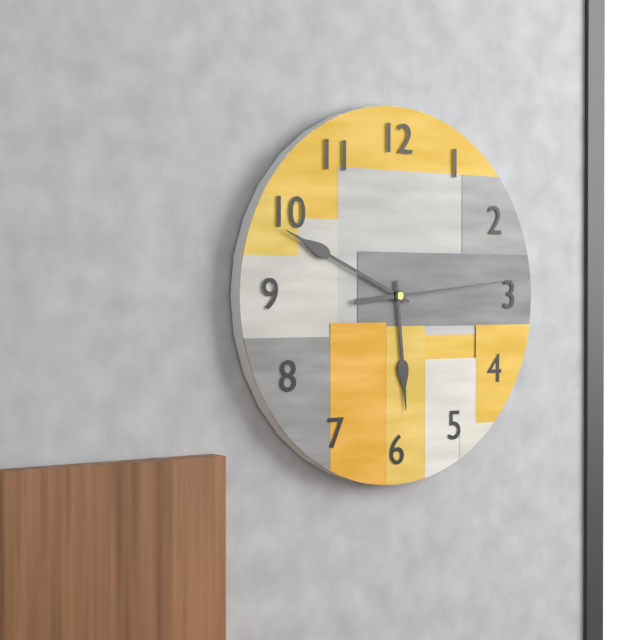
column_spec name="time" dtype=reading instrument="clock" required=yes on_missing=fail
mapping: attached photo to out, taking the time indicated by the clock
5:49:14
